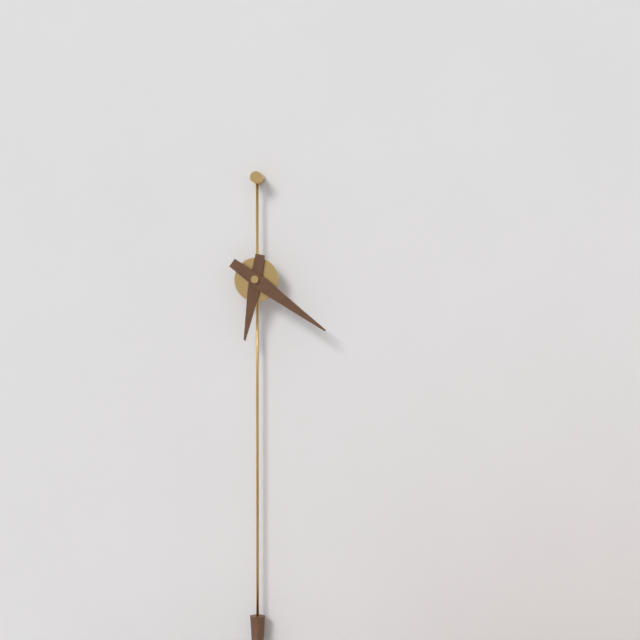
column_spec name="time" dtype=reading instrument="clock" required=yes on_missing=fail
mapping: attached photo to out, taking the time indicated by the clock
6:21
